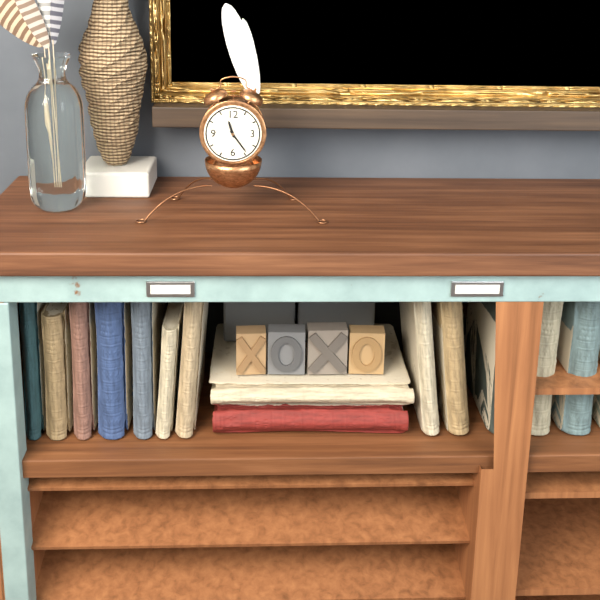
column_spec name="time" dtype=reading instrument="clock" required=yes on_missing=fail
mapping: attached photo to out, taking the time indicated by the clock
11:24
